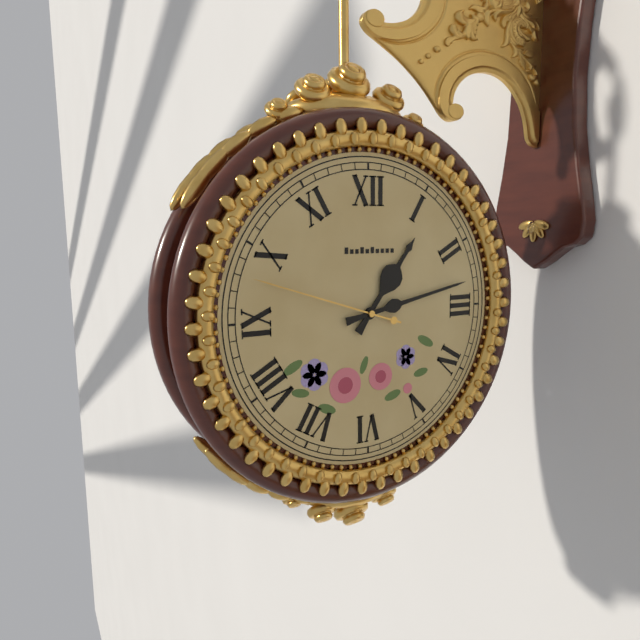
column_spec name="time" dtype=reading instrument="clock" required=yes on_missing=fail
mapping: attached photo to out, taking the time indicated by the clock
1:13:48
